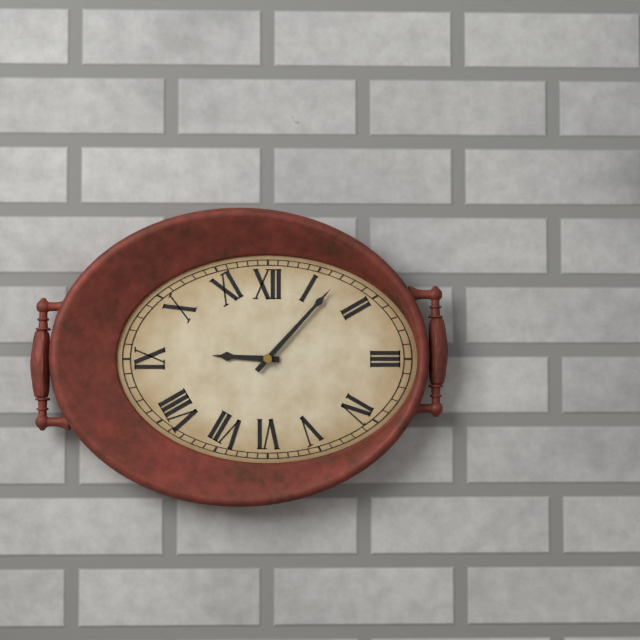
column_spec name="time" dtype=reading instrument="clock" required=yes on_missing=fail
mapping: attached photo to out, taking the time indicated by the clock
9:07
